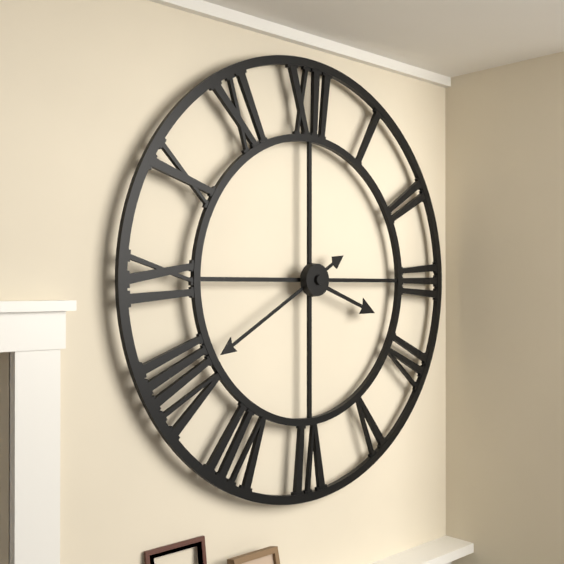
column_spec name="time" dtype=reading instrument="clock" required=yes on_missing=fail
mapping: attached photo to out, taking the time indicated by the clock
3:40
